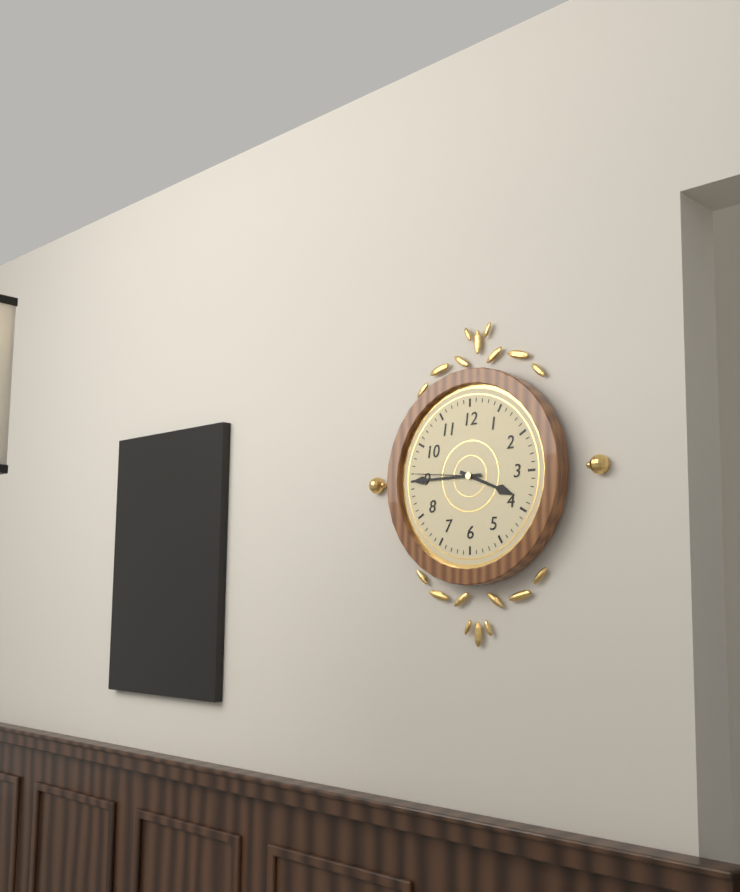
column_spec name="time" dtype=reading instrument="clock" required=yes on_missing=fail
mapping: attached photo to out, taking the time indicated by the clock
3:45:46
